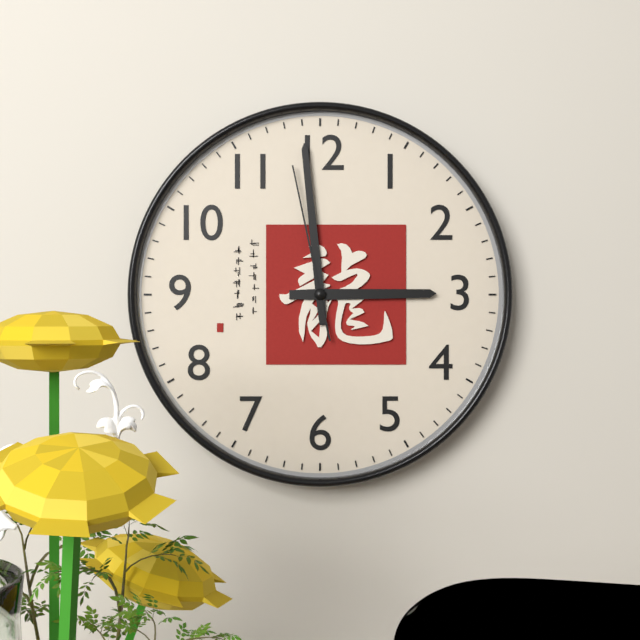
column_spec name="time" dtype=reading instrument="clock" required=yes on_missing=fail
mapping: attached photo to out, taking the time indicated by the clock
2:59:58
